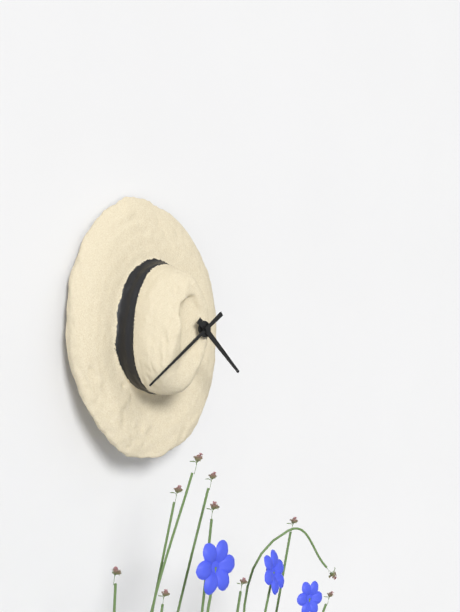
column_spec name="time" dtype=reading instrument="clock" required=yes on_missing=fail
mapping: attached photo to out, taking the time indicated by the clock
4:40
